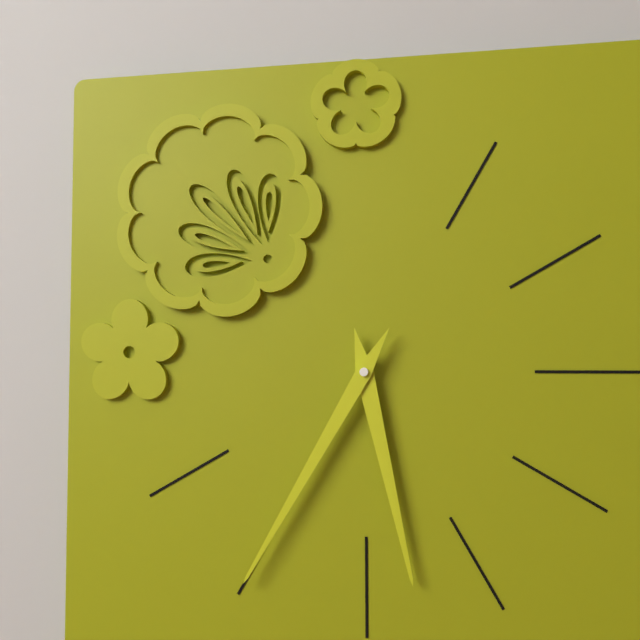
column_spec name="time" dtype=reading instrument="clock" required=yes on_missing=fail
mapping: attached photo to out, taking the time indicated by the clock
5:35
